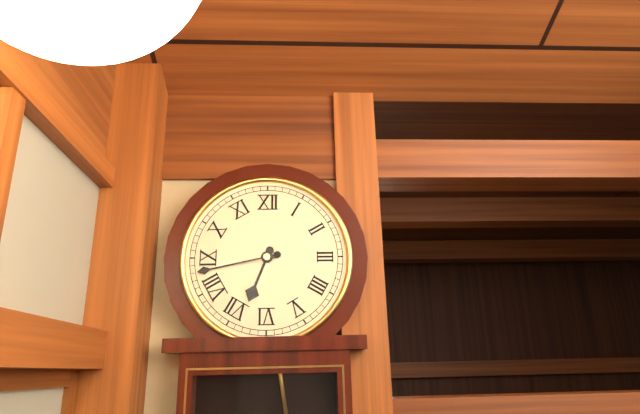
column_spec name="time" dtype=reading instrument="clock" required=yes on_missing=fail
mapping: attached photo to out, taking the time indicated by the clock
6:43
